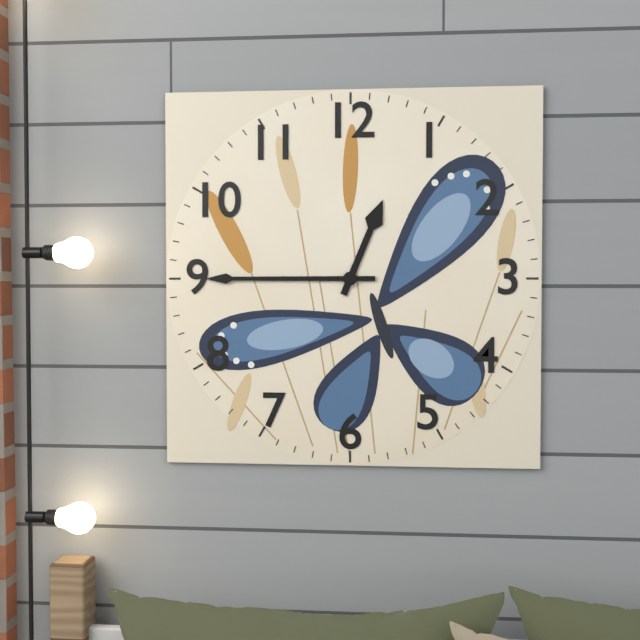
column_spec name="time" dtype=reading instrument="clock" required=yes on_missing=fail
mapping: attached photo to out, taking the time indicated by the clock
12:45
